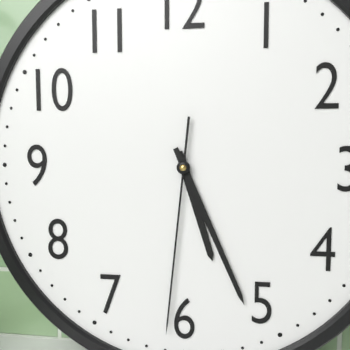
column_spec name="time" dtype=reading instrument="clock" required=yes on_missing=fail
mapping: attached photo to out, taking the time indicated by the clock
5:26:31
